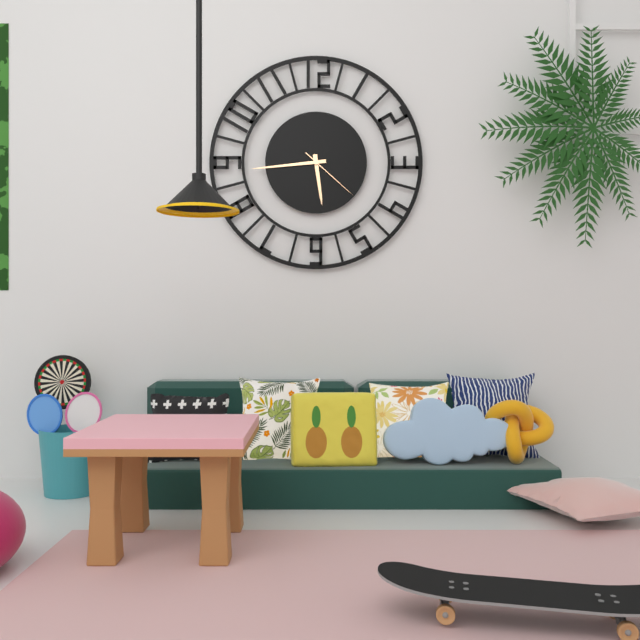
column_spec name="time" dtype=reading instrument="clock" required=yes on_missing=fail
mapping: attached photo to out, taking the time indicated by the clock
5:44:22
